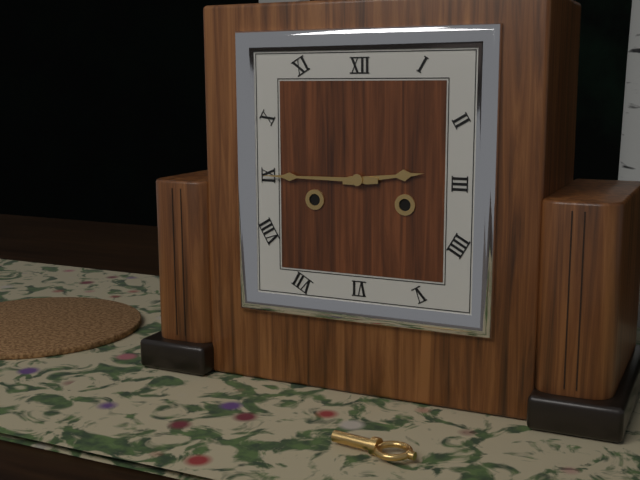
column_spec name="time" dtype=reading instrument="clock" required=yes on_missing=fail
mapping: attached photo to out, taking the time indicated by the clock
2:45
